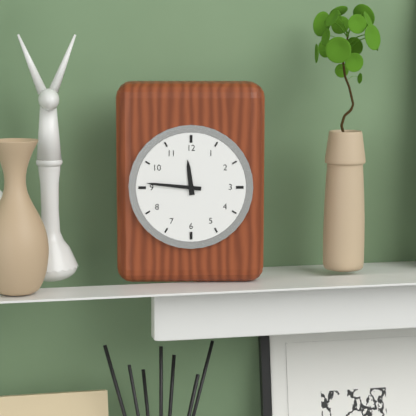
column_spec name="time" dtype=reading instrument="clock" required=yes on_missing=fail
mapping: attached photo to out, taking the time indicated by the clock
11:46
